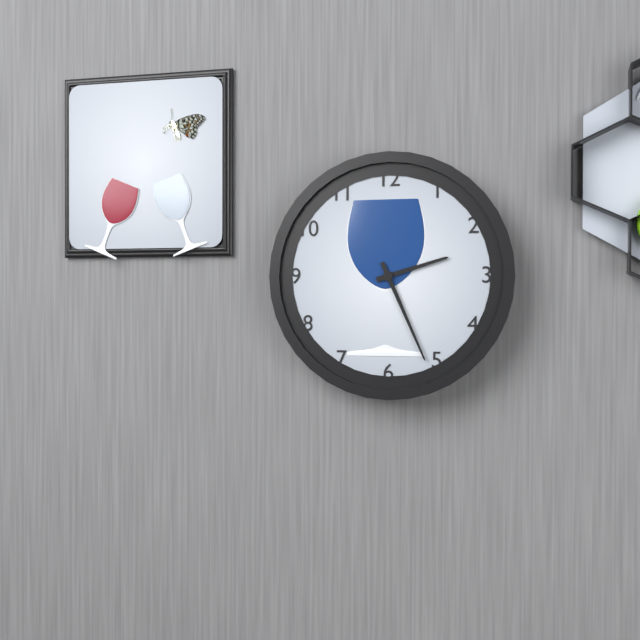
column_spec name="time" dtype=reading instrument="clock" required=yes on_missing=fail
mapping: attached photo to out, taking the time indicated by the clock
2:26
